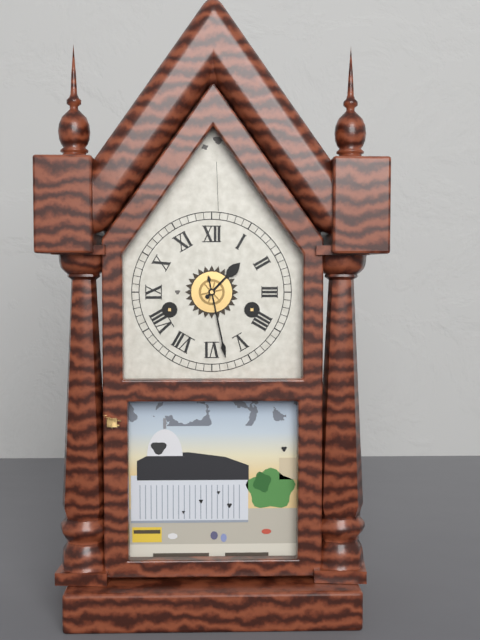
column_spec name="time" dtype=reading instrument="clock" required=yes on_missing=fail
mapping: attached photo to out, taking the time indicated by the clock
1:28
